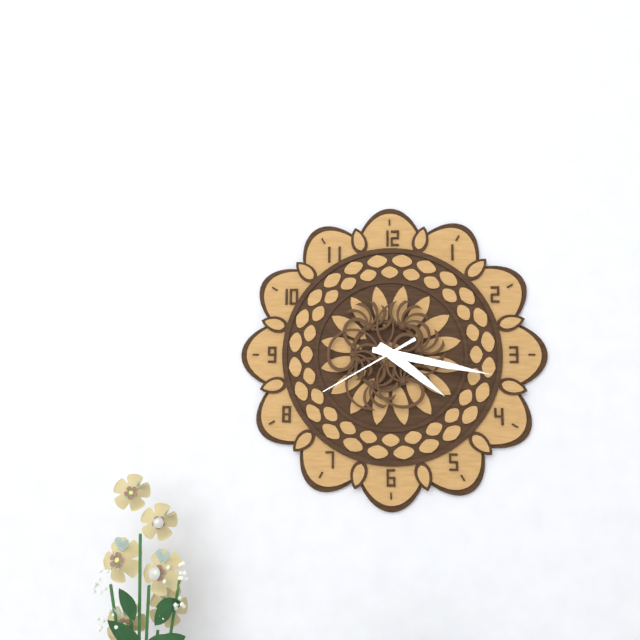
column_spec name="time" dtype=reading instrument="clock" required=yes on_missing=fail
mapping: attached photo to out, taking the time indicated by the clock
4:17:40
